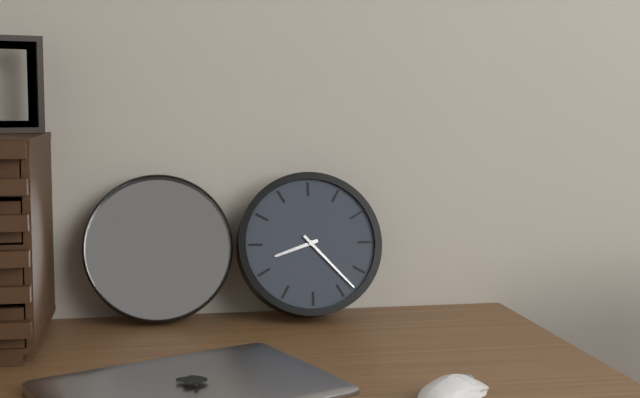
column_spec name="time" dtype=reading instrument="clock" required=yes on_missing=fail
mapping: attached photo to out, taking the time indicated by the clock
8:23
